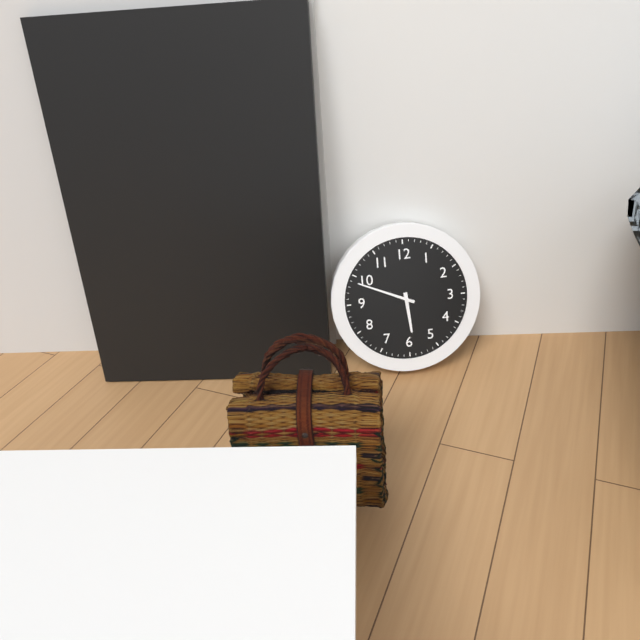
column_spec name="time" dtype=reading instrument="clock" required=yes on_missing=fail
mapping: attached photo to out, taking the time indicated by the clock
5:49
